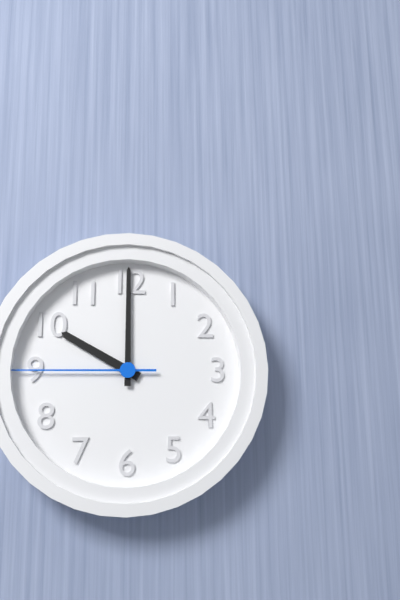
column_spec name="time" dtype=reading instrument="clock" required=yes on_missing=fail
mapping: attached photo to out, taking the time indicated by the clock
10:00:45
